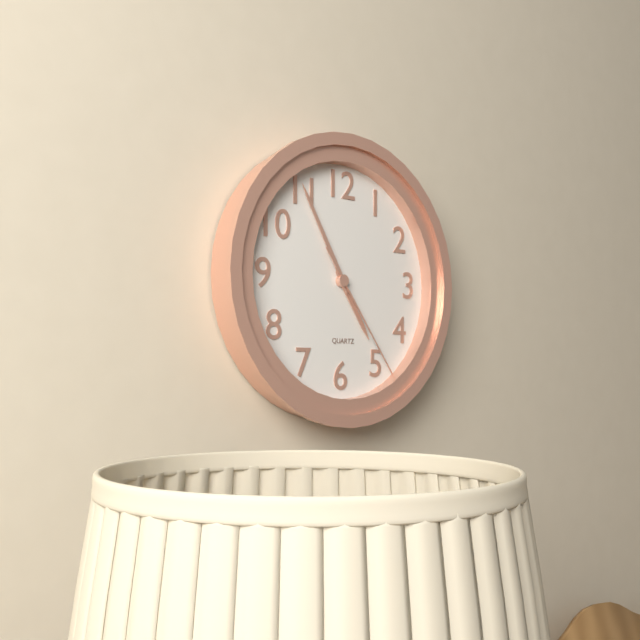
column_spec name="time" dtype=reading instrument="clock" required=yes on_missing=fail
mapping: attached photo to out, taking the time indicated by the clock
4:55:24
